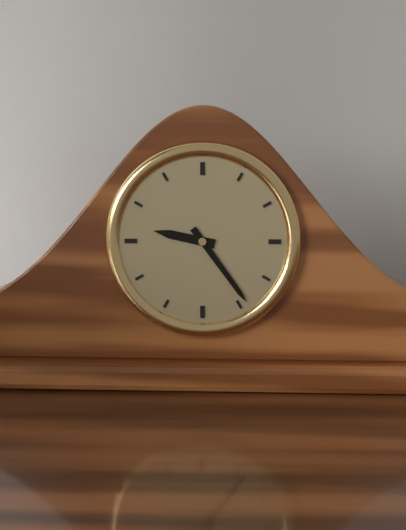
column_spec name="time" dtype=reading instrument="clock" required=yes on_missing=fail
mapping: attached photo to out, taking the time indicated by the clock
9:24
